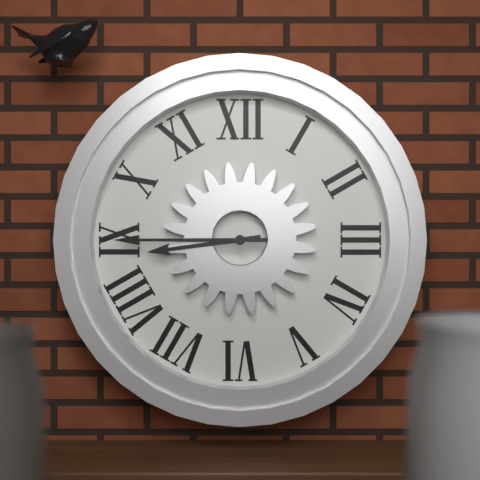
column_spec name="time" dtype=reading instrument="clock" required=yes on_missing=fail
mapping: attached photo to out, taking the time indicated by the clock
8:45
